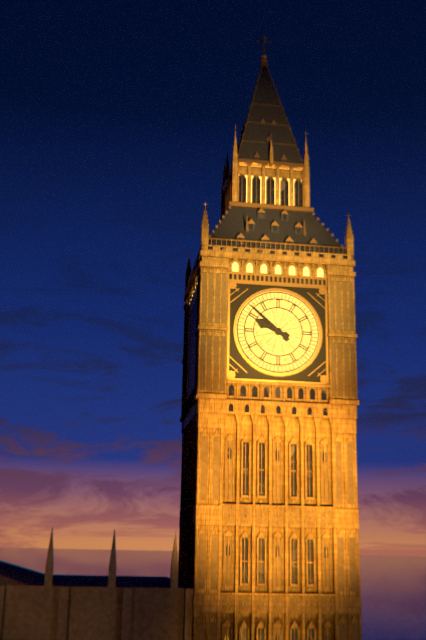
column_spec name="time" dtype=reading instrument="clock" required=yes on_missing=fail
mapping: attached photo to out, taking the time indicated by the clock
9:52
